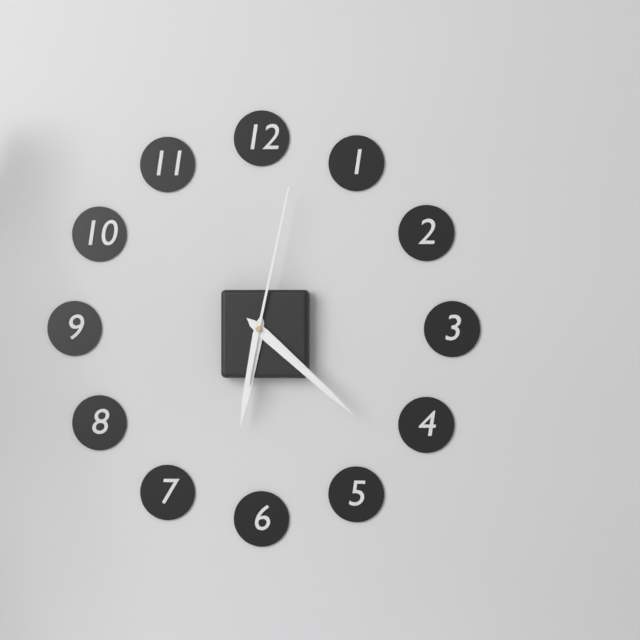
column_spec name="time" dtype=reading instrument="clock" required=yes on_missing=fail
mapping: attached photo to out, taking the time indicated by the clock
6:22:02
